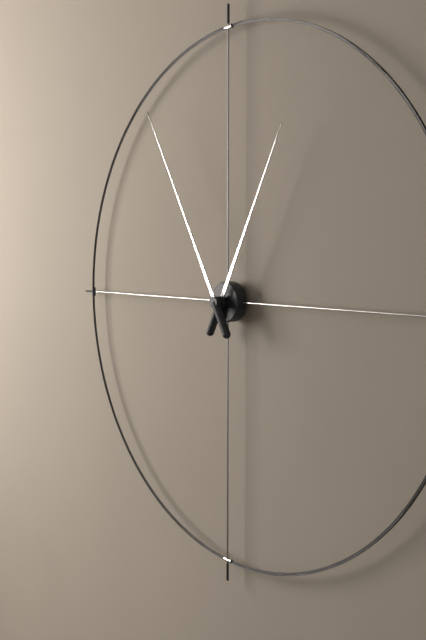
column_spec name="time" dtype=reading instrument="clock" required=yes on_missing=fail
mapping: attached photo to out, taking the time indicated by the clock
12:55
